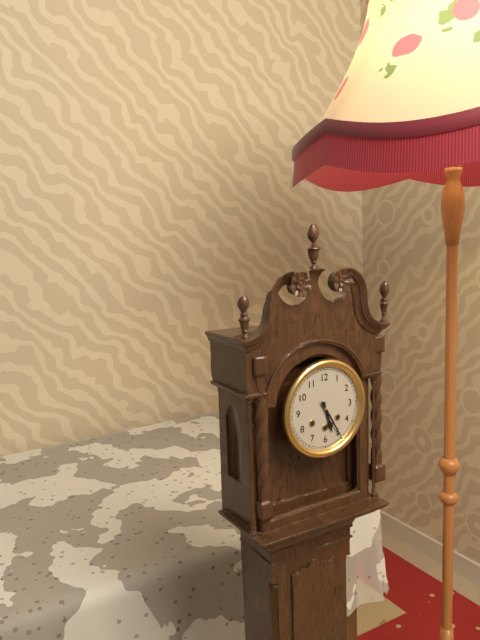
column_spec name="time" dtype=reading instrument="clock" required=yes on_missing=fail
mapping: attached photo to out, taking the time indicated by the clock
5:25
